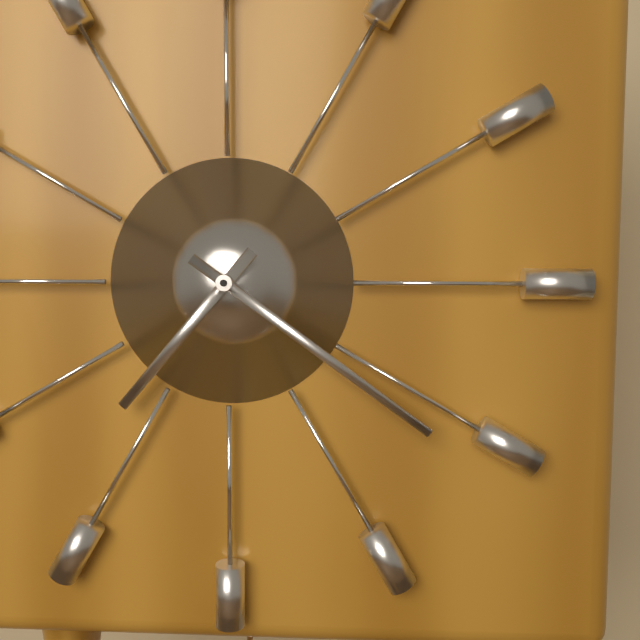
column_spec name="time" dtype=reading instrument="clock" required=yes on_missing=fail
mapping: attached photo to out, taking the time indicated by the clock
7:21
